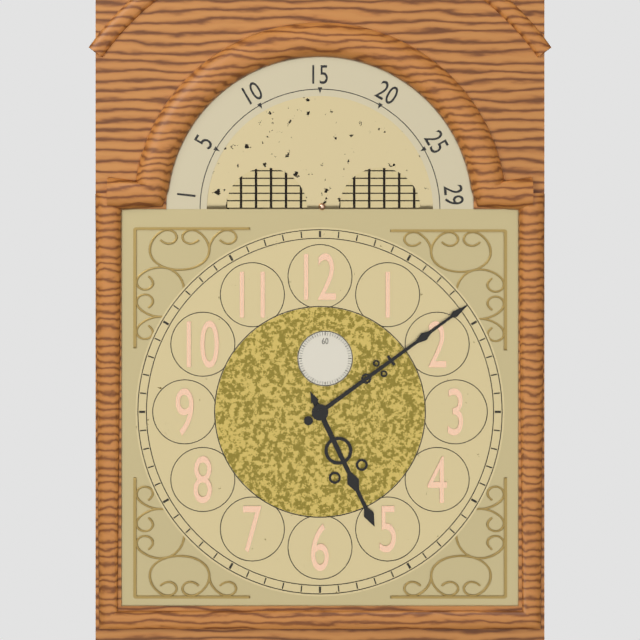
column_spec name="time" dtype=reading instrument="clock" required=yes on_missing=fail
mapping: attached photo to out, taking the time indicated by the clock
5:09
